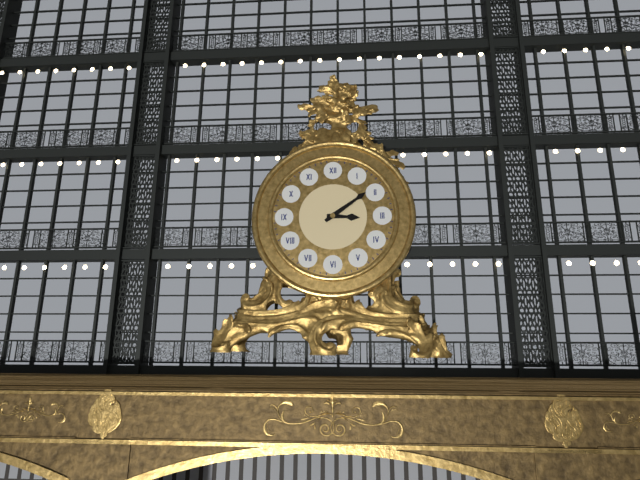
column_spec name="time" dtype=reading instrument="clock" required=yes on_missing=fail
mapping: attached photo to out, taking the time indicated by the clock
3:09
